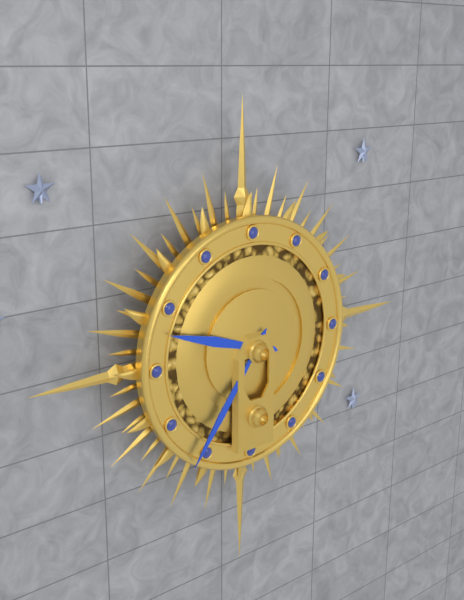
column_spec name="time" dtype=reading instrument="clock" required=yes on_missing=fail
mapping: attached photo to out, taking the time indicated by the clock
9:36
